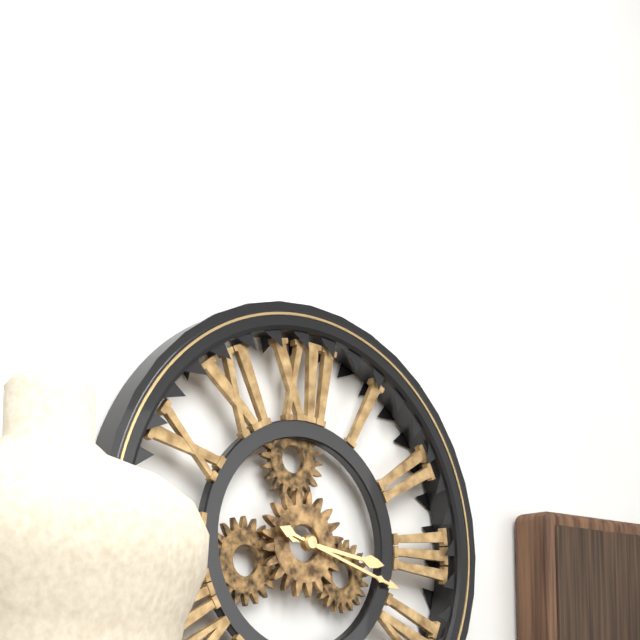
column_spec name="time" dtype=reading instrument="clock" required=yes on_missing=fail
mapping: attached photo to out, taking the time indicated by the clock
3:18
